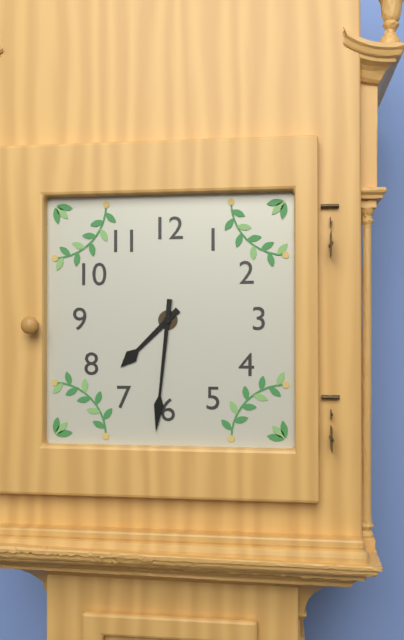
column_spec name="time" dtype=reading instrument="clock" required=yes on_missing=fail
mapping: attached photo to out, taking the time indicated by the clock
7:31
